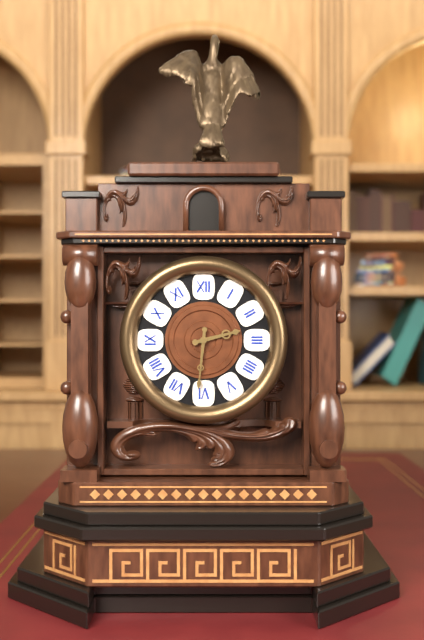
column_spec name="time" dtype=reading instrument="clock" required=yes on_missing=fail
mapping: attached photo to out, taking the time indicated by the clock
2:31
